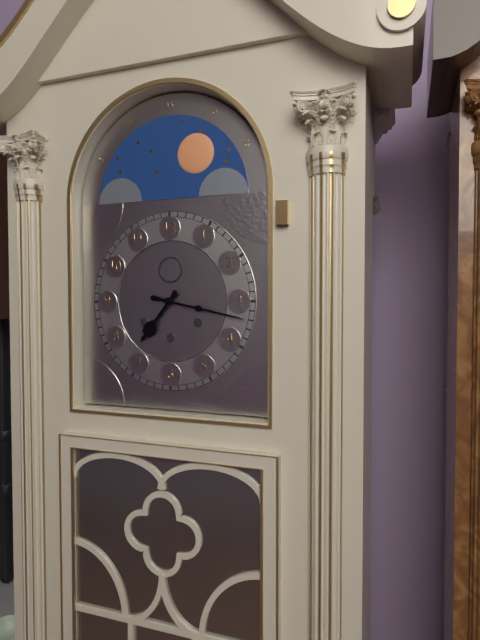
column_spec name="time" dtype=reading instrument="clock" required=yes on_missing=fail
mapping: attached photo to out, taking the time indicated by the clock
7:17
